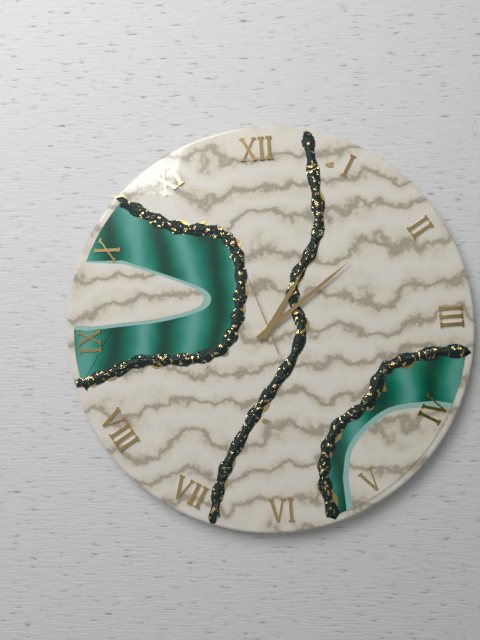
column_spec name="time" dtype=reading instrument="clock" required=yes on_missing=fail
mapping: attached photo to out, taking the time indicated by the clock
1:09:57
